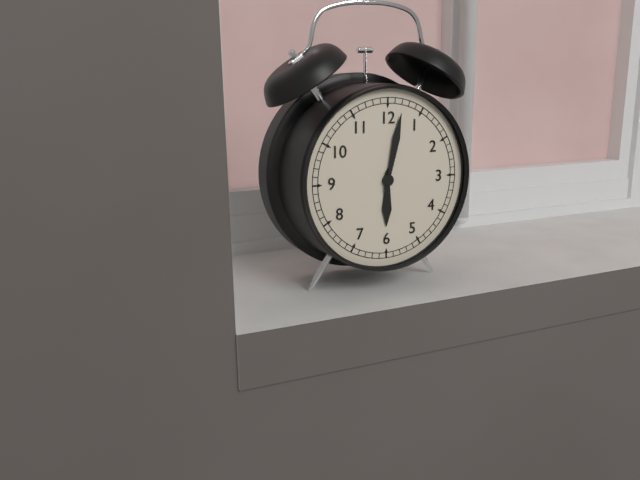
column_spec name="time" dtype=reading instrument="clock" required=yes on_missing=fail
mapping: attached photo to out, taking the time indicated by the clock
6:02
